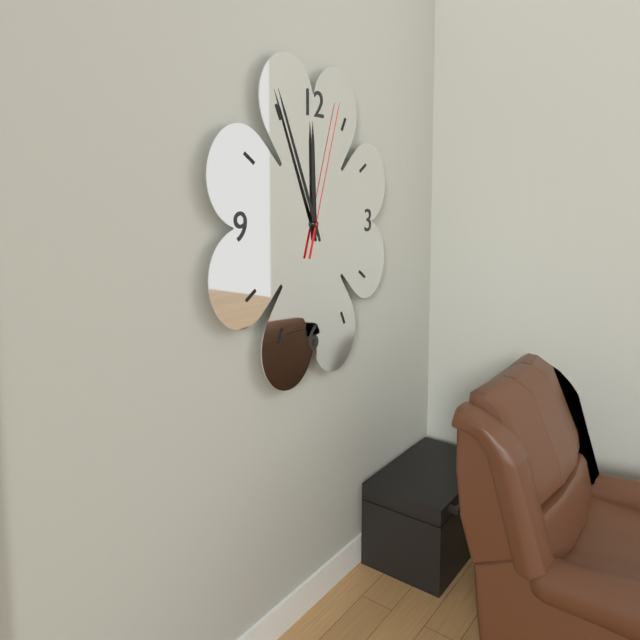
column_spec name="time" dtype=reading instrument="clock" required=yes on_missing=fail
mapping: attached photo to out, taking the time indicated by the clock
11:56:03
